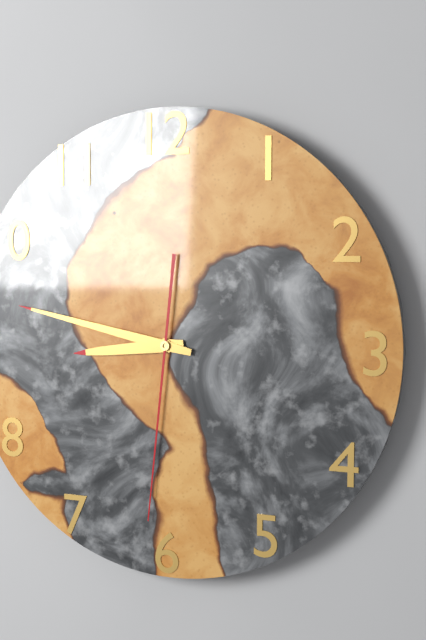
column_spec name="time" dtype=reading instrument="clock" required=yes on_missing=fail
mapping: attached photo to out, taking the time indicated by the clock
8:47:31
